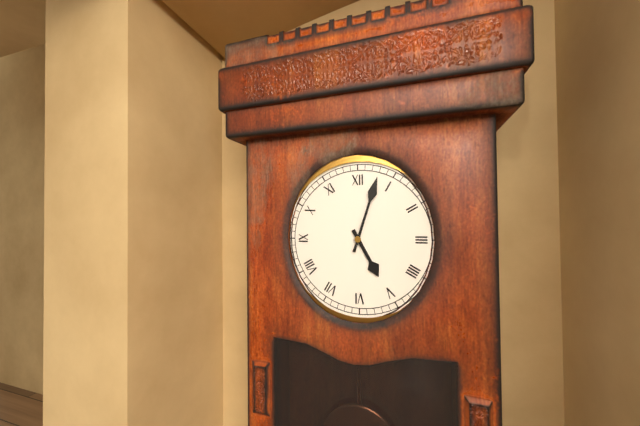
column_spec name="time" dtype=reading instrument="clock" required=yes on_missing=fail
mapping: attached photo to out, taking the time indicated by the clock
5:03
